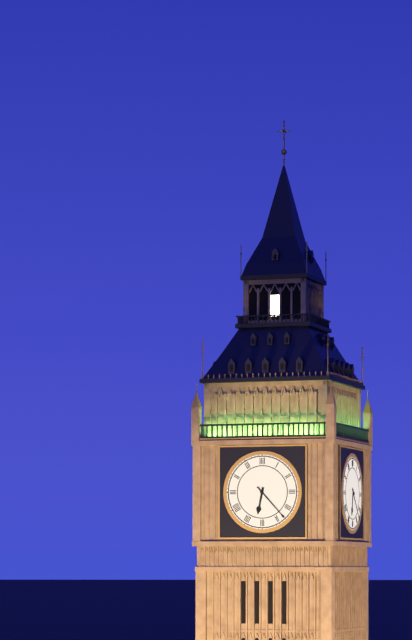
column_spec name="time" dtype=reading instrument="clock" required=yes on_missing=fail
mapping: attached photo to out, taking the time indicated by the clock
6:23
